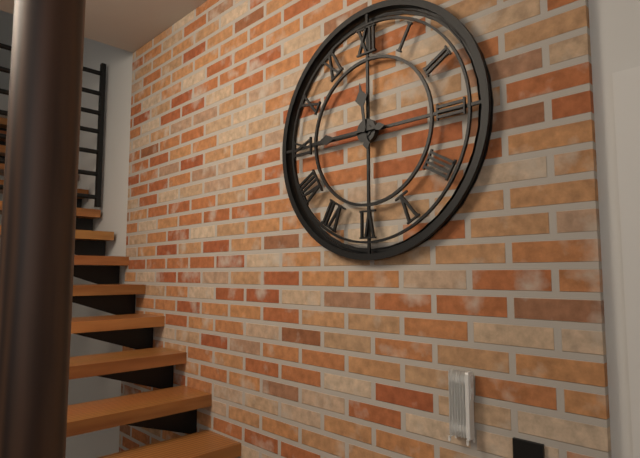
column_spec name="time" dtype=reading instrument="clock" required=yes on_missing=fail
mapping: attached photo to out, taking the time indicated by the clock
11:45
